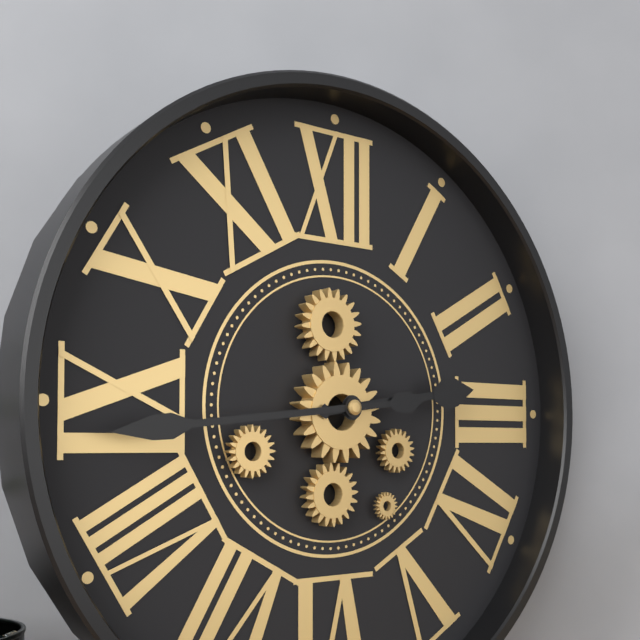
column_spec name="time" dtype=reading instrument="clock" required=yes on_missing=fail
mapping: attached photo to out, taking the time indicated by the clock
2:44
